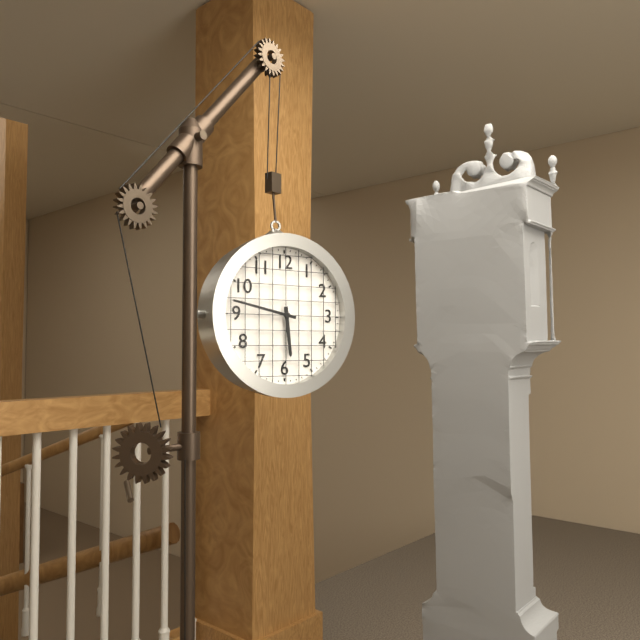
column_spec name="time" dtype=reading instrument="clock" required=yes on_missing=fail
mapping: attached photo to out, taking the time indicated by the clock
5:47
